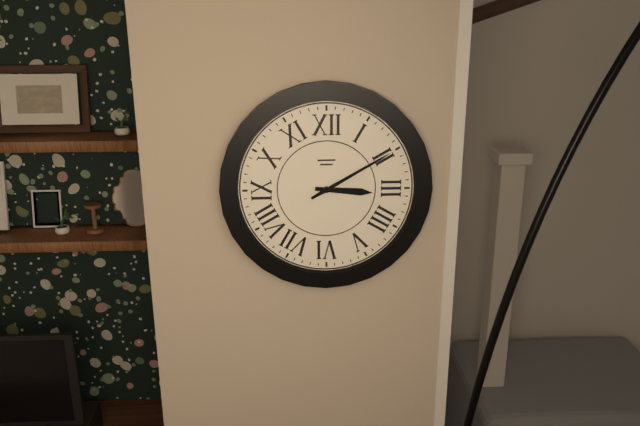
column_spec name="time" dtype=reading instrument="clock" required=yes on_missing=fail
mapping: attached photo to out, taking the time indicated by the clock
3:10
